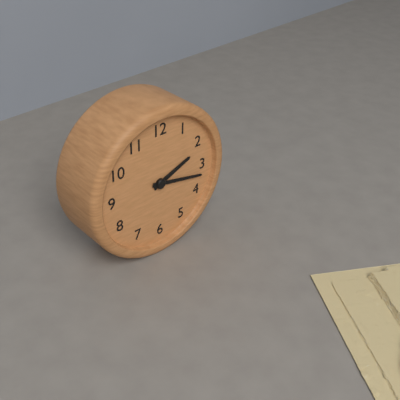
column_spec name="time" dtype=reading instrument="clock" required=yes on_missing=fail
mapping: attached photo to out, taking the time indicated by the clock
2:17
